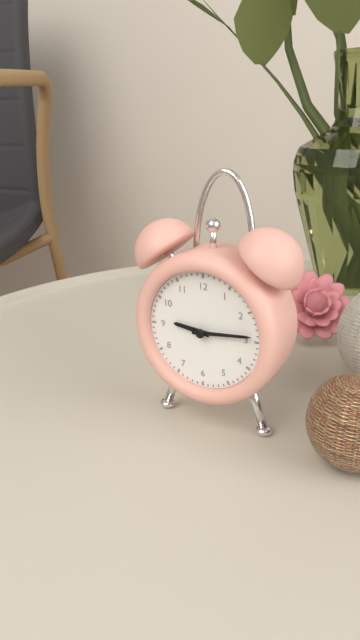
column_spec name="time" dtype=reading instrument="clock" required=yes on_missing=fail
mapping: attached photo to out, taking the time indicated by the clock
9:14
